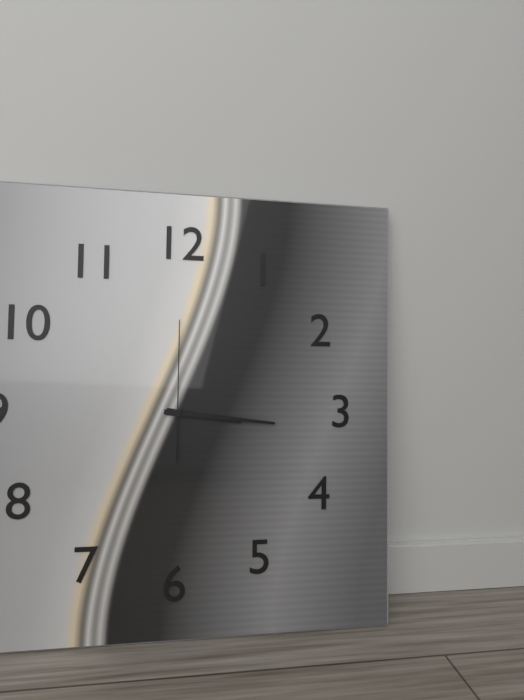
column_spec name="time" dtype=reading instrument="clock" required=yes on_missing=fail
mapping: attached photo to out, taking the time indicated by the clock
3:16:00
